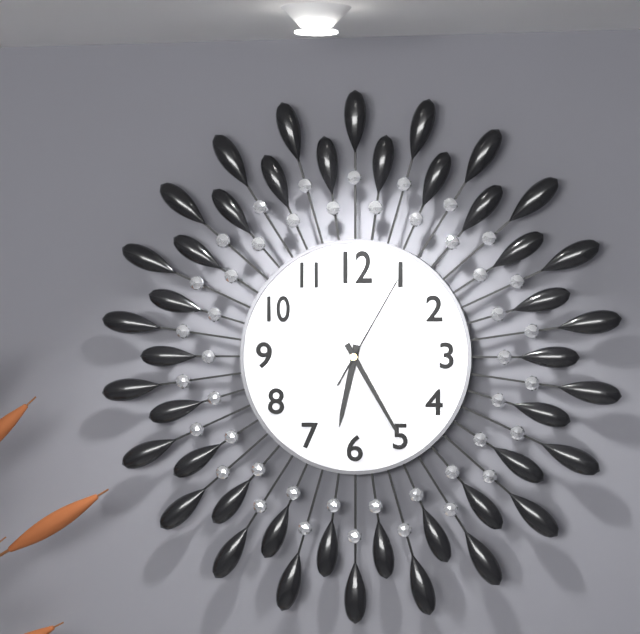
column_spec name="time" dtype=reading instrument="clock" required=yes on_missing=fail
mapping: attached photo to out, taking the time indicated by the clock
6:25:05
